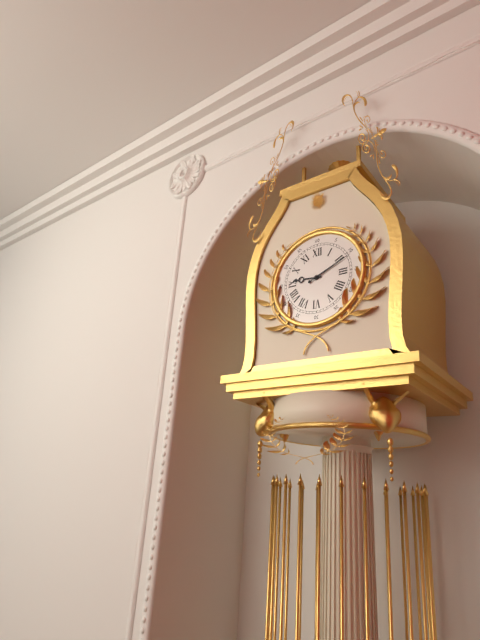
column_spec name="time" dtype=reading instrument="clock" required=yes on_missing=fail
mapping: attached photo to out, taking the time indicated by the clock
9:11
